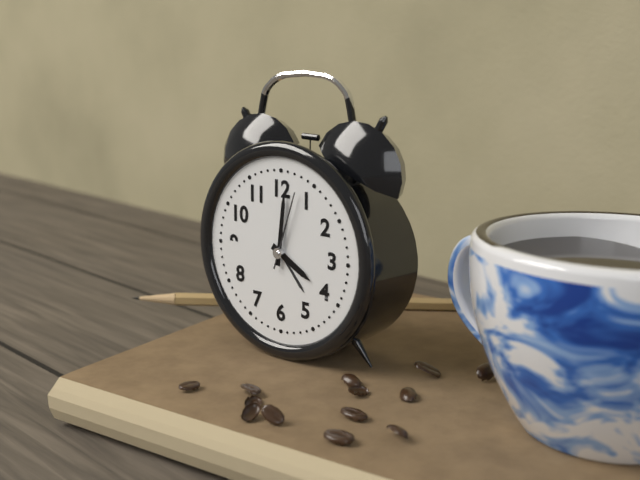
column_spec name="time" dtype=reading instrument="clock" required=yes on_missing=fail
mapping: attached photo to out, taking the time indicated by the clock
4:01:03
